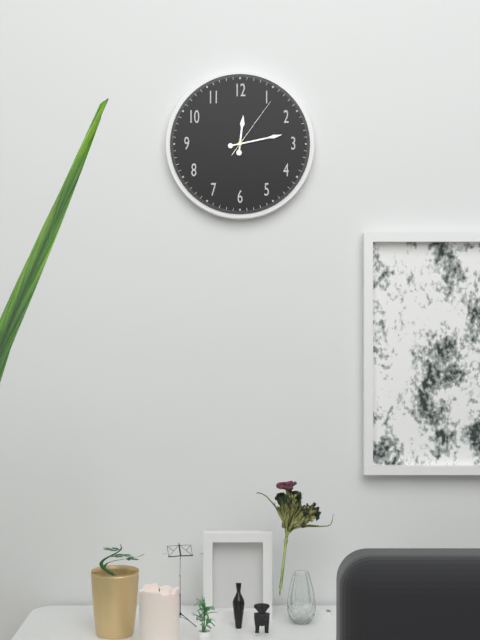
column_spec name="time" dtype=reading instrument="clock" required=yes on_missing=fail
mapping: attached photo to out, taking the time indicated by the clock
12:13:06
